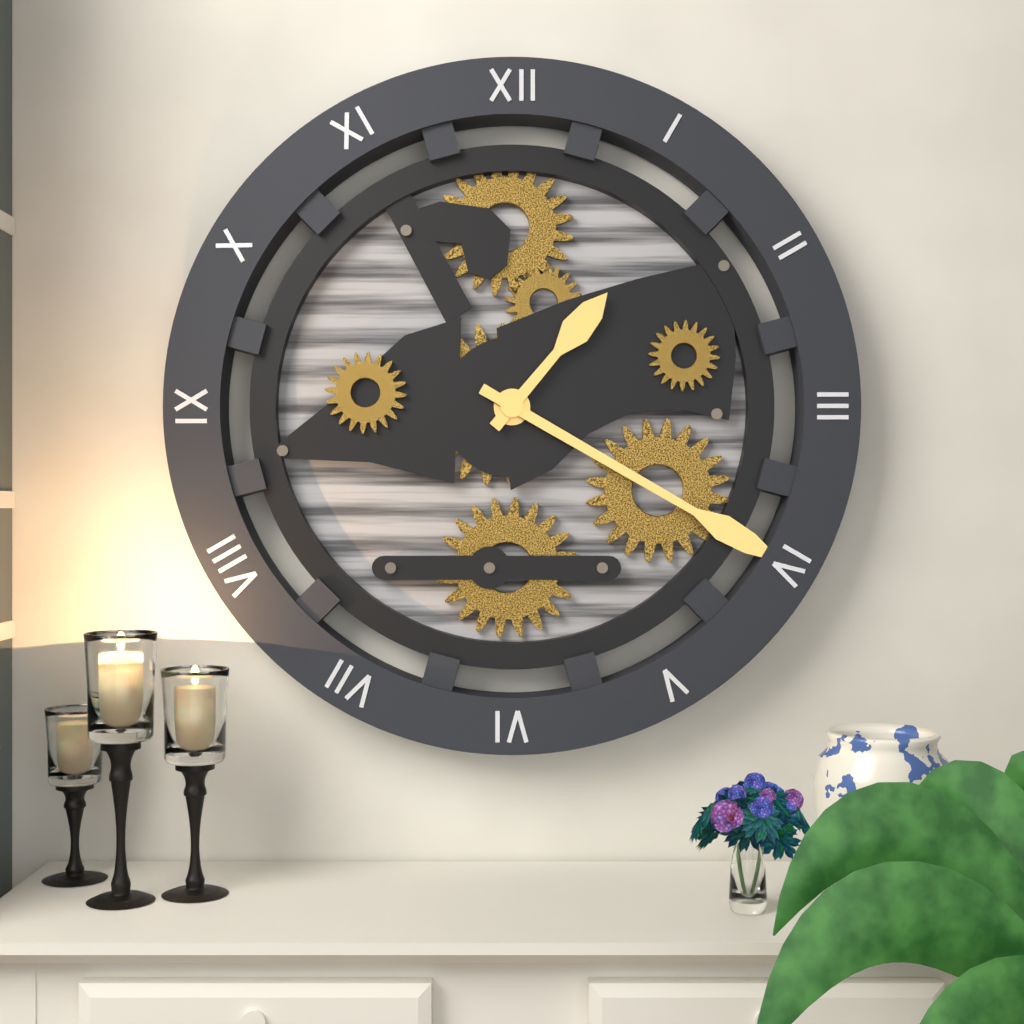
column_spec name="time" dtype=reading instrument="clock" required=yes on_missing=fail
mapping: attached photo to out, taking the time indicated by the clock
1:20
